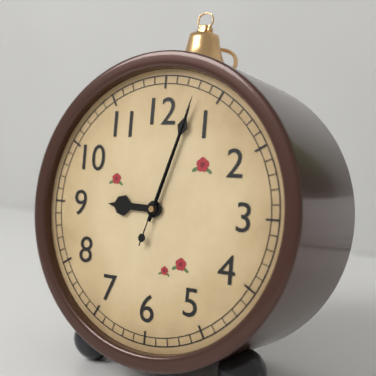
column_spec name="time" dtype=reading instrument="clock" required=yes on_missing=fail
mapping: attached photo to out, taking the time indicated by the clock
9:03:03
